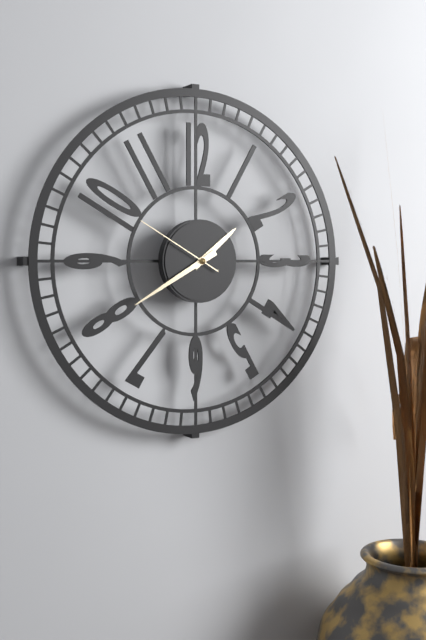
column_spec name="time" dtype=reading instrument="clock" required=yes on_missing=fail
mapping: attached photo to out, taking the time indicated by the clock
1:40:50
